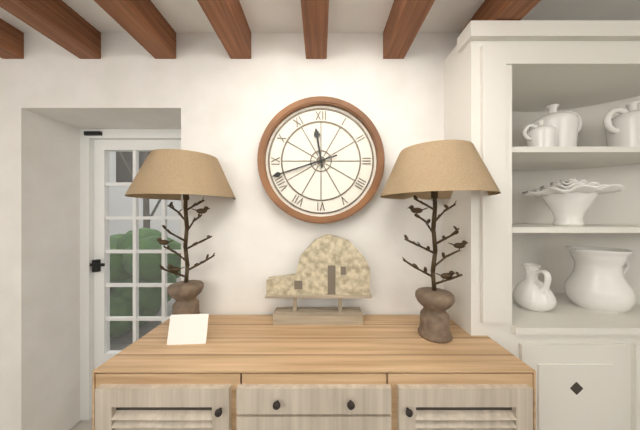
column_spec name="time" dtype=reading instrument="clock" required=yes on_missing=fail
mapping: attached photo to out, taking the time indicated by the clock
11:42
